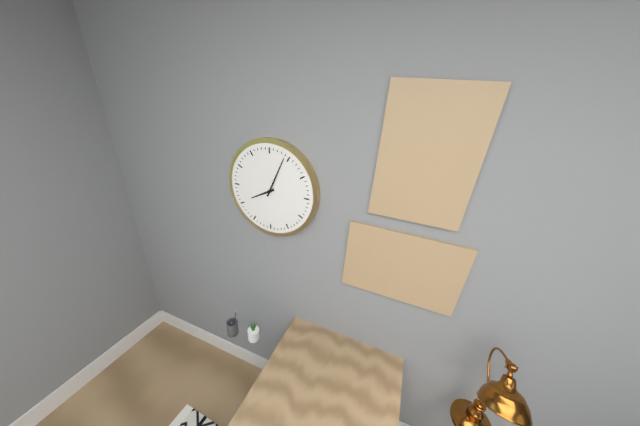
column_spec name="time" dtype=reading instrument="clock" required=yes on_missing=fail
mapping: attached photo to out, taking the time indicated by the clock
8:04
